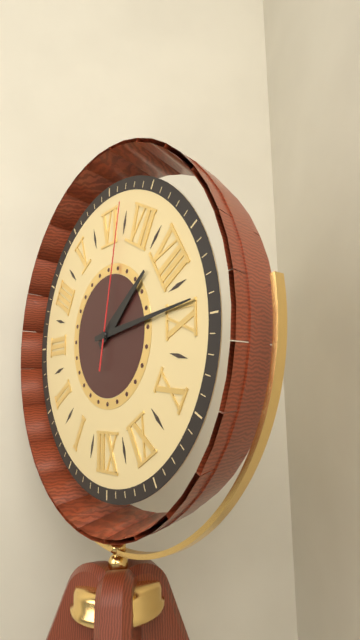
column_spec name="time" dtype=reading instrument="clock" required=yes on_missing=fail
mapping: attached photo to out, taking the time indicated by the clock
7:44:32
